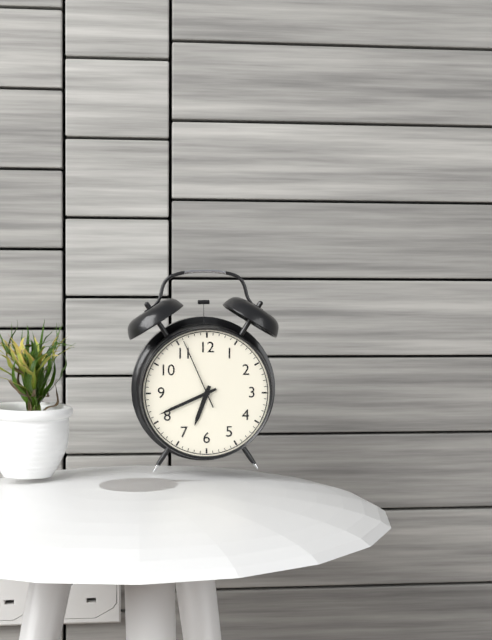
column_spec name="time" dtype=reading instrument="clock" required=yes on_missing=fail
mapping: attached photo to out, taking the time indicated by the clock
6:41:56
